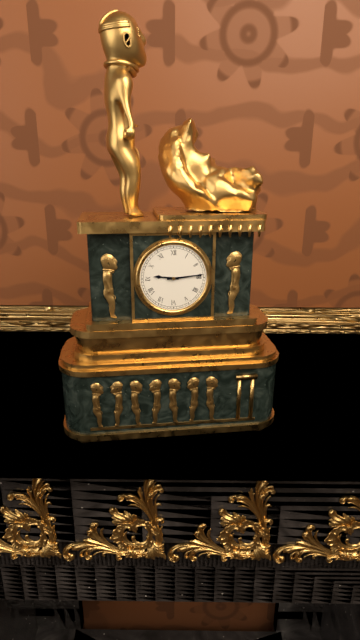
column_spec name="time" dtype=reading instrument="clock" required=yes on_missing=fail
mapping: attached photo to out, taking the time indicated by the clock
9:14
